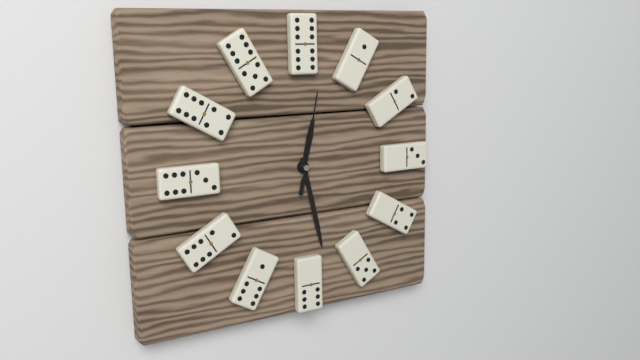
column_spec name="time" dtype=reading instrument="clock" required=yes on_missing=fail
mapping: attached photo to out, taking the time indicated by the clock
12:28:02
